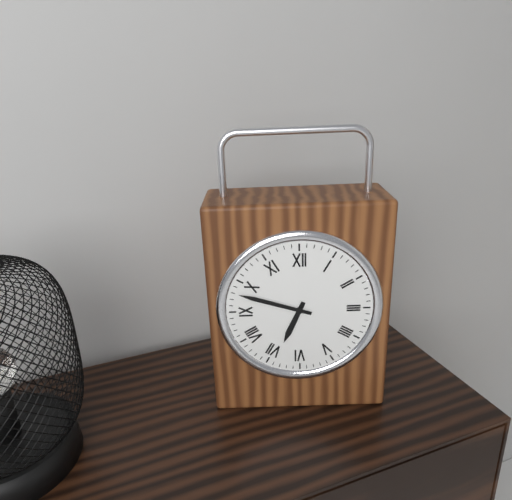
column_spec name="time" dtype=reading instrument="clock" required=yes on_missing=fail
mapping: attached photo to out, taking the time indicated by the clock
6:48
